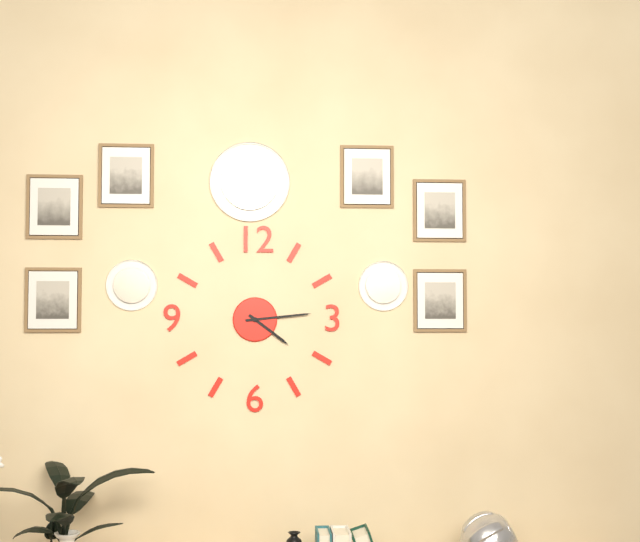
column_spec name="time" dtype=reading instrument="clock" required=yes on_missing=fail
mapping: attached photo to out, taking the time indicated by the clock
4:14
